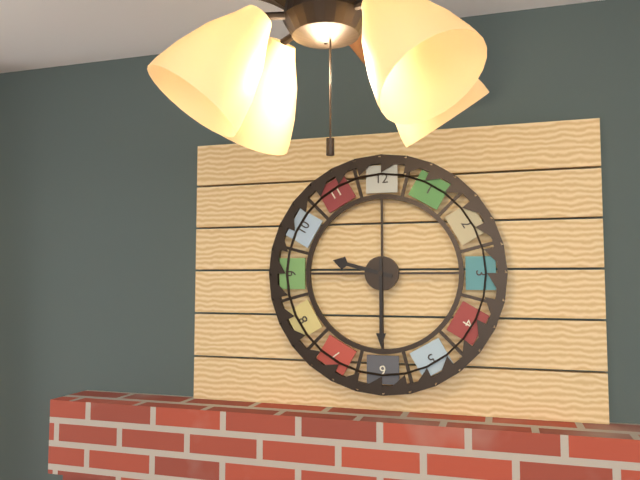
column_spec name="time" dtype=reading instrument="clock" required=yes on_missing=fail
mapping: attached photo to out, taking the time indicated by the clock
9:30
